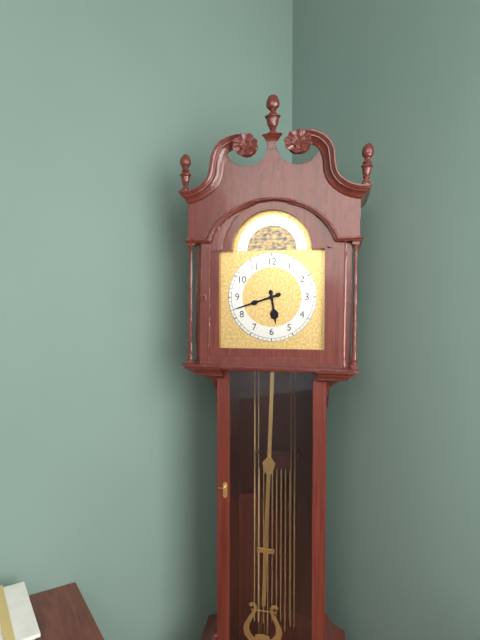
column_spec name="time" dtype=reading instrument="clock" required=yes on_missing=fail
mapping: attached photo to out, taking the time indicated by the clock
5:42
